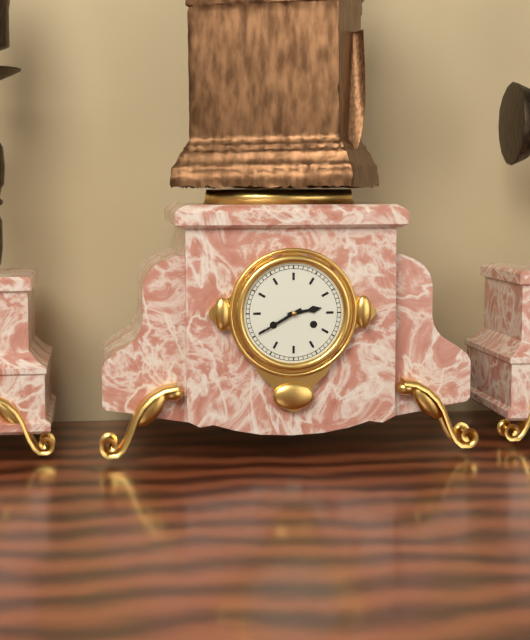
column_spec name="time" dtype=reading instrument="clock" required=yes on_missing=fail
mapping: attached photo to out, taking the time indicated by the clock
2:40
